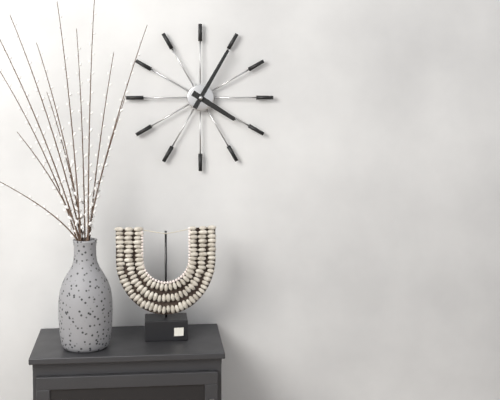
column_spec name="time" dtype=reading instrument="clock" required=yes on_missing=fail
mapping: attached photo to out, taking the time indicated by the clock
4:05
